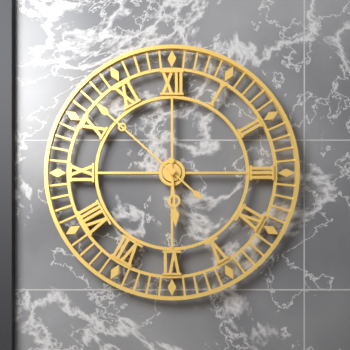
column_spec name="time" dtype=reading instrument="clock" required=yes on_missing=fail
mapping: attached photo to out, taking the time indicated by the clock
5:52
